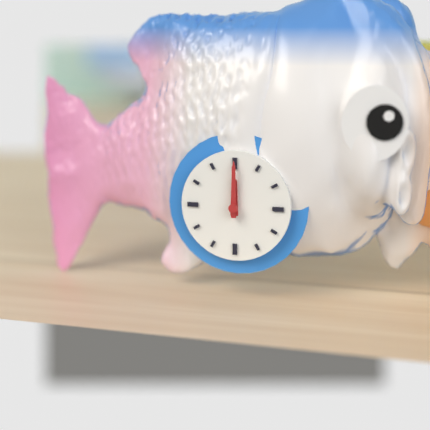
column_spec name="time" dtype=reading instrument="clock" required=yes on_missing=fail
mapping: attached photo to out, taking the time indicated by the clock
12:00
